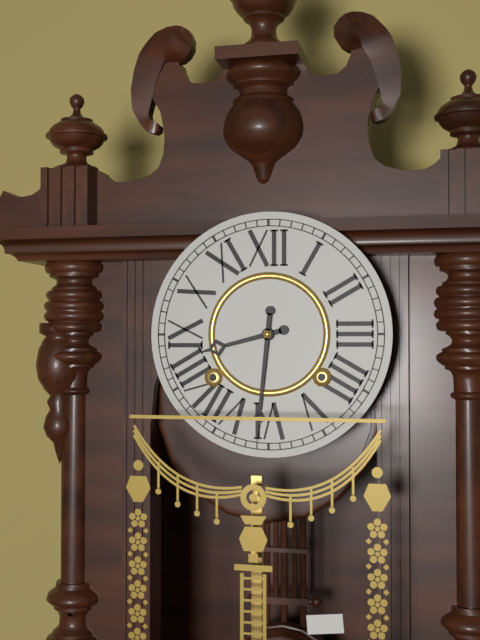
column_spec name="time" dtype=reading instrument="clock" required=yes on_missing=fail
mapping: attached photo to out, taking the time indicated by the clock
8:31
